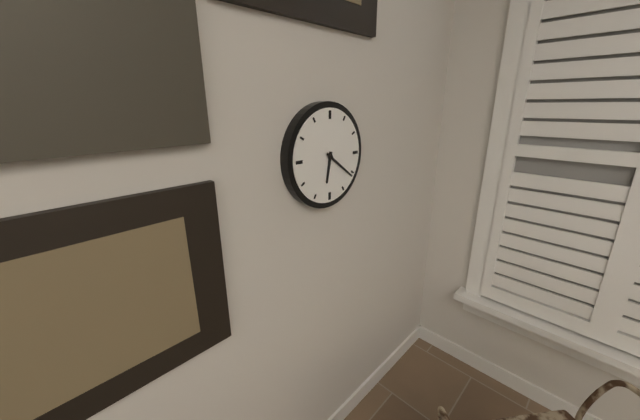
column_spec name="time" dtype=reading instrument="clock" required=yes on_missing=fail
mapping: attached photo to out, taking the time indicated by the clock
6:21
